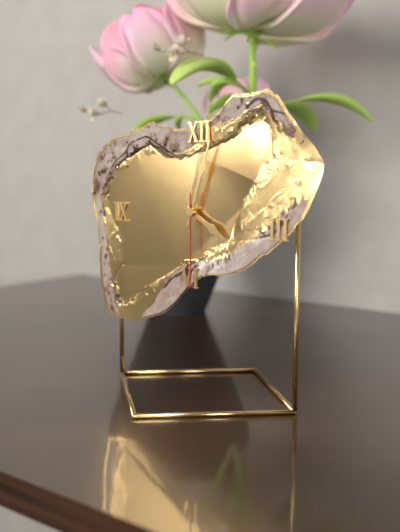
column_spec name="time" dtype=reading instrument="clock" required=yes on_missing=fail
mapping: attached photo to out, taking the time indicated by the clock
4:03:30
